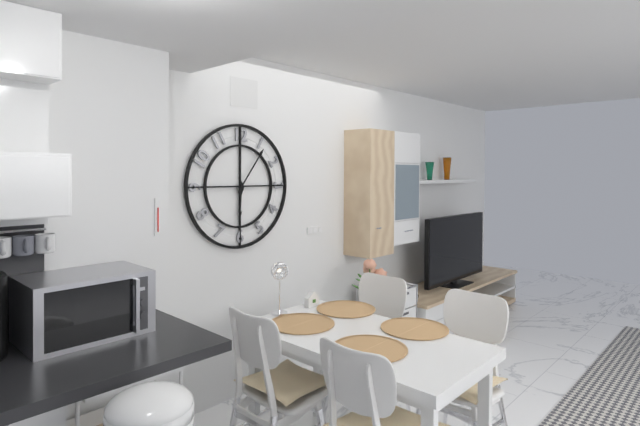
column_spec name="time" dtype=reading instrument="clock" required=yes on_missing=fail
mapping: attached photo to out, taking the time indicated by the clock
6:06
